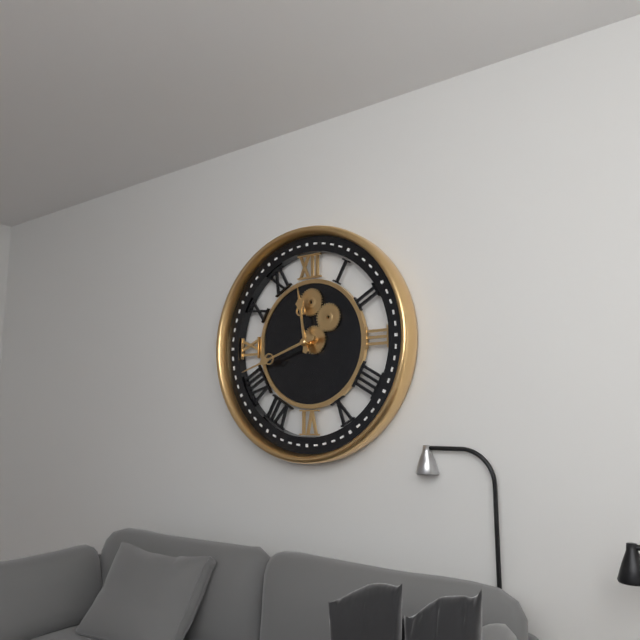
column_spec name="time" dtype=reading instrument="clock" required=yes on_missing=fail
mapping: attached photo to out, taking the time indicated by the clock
11:42
